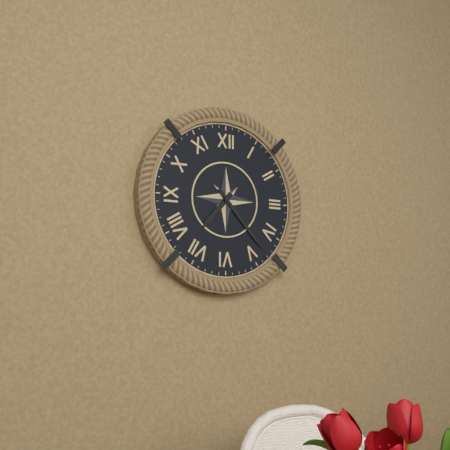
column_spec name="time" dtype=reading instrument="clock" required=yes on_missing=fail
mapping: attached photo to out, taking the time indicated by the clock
7:23
